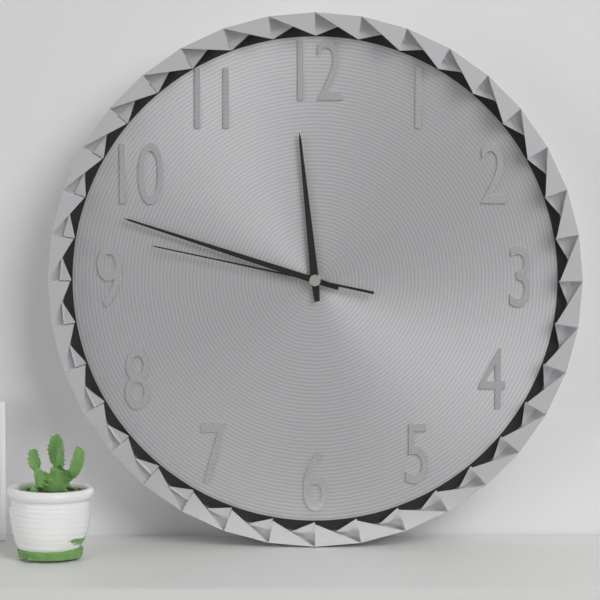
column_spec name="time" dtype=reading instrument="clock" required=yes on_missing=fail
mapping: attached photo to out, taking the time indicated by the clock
11:48:47
